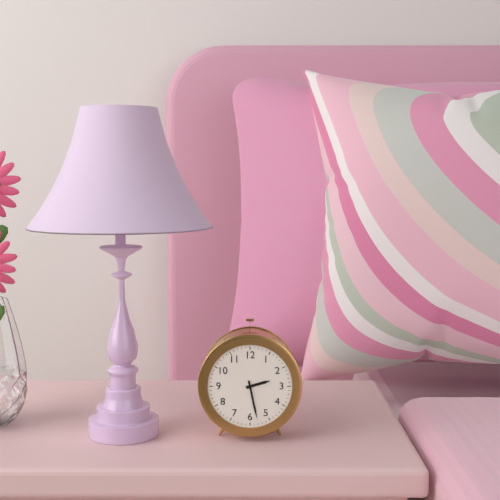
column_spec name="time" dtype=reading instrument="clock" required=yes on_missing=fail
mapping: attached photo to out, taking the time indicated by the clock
2:28
